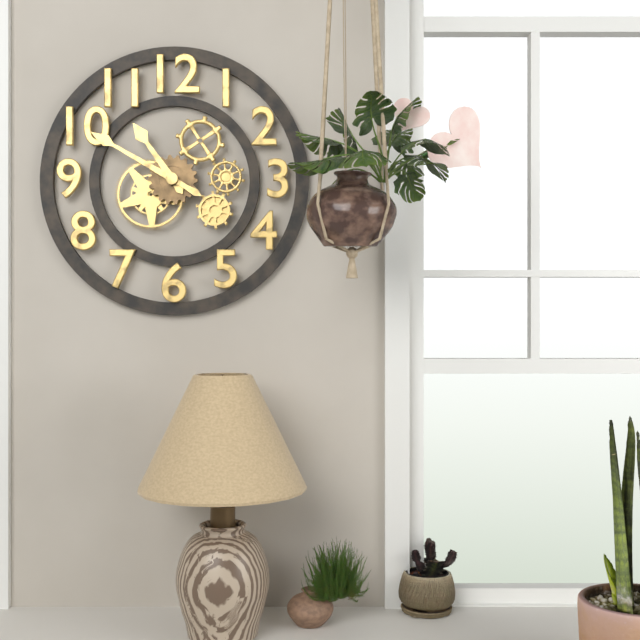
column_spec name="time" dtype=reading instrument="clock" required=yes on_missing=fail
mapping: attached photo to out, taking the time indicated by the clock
10:50
